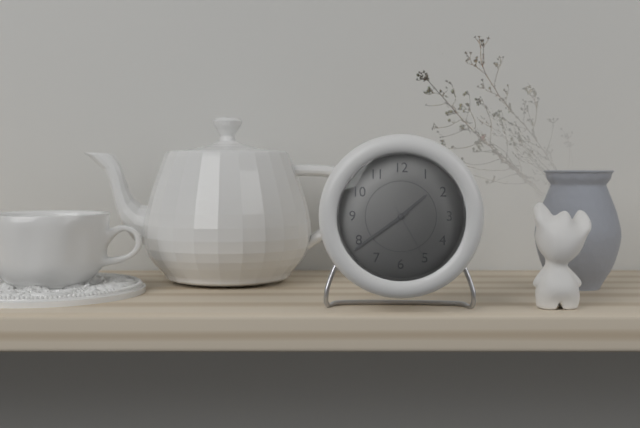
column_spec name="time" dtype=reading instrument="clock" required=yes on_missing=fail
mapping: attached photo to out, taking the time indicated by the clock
1:39:25
